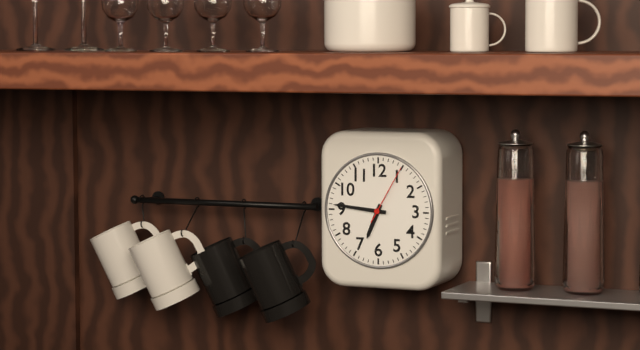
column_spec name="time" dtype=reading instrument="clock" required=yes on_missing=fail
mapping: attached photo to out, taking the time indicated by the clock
6:46:05
